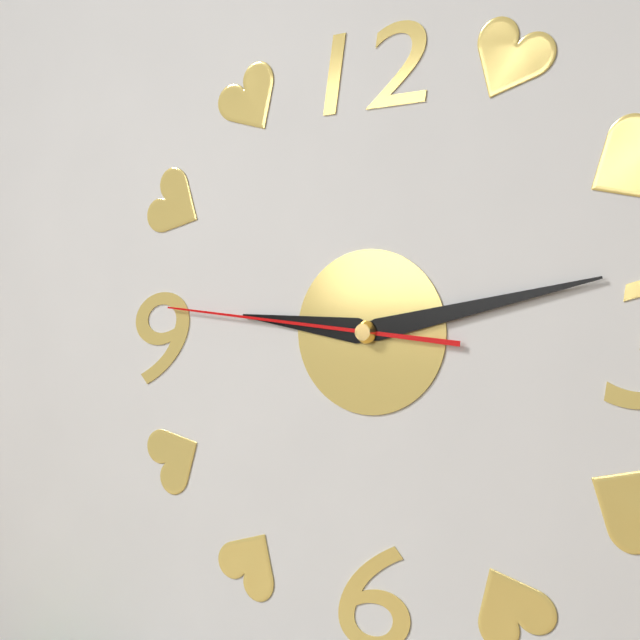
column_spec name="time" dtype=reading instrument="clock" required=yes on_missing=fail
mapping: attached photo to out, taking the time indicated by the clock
9:13:46
